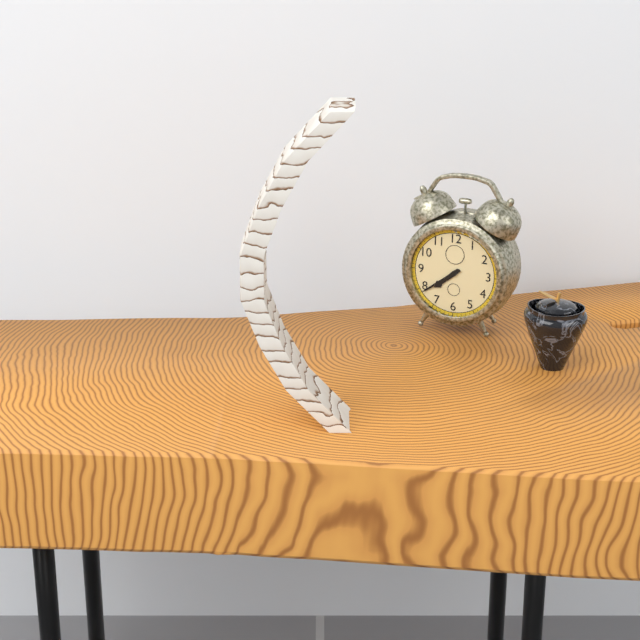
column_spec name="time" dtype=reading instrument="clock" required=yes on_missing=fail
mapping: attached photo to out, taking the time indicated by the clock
7:39
